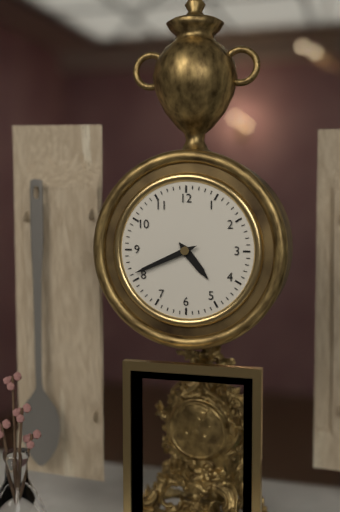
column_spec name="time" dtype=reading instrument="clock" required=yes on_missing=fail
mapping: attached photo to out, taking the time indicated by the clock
4:41
